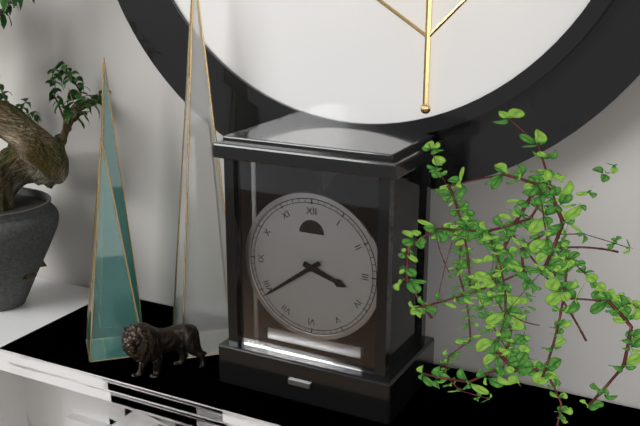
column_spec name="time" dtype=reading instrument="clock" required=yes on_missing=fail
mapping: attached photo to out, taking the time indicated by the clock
3:39
